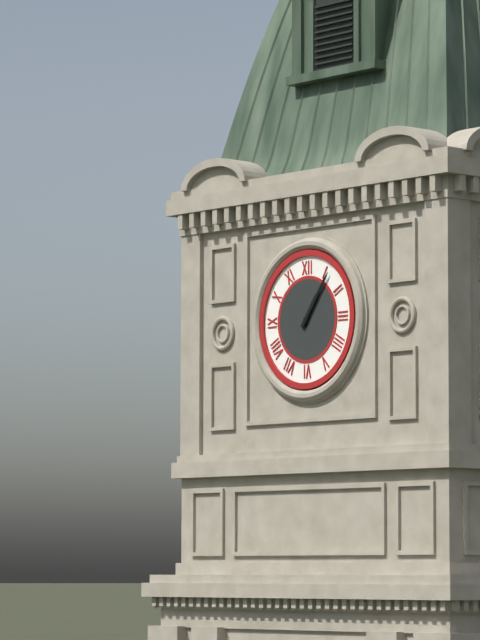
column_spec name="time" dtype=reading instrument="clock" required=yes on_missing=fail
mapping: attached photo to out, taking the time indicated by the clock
1:06
